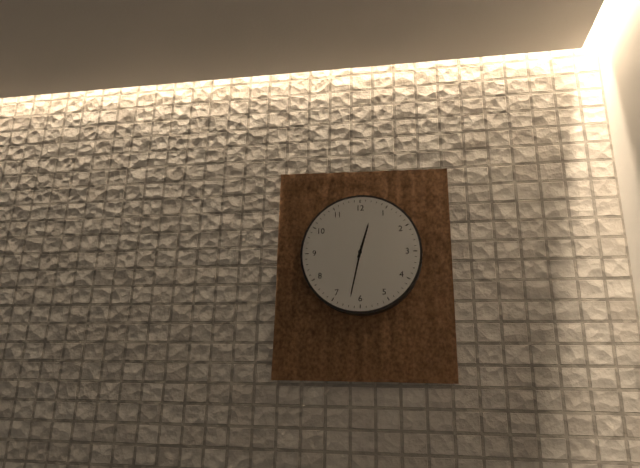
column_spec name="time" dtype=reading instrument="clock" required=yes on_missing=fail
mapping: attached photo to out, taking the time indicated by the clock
12:32
